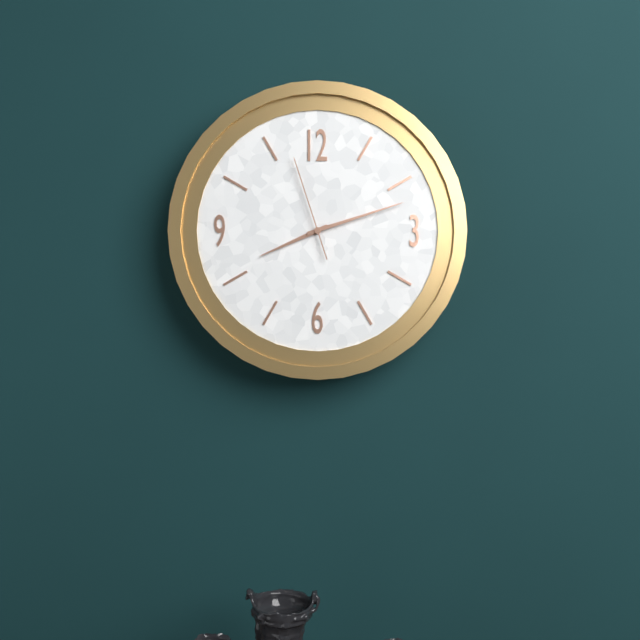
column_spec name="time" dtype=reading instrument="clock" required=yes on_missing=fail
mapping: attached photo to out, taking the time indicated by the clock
8:12:57
